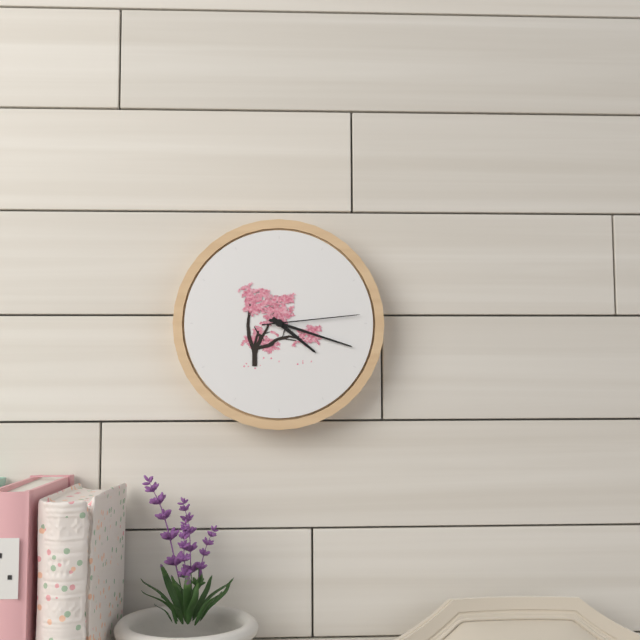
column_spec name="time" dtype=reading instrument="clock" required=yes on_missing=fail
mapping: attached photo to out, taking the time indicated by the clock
4:18:14
